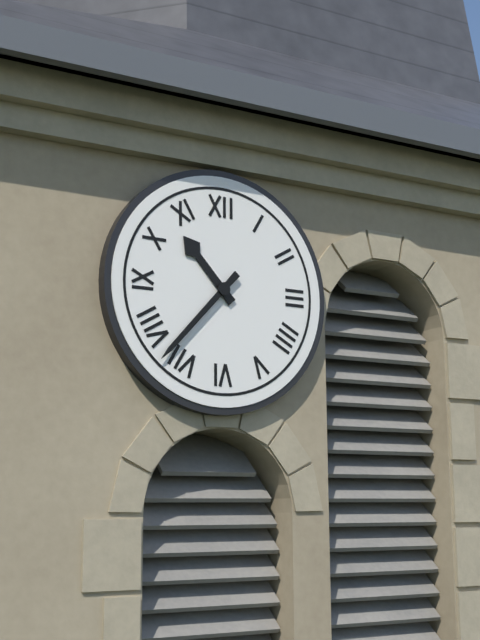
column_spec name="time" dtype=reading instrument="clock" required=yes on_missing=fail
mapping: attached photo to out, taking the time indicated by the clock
10:37
